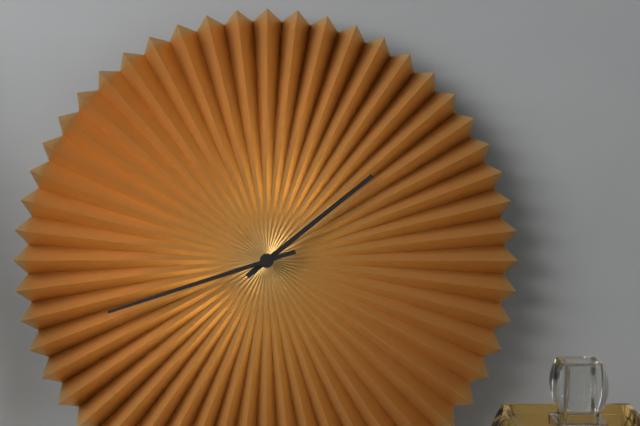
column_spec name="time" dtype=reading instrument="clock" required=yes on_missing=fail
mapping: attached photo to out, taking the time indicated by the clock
1:42
